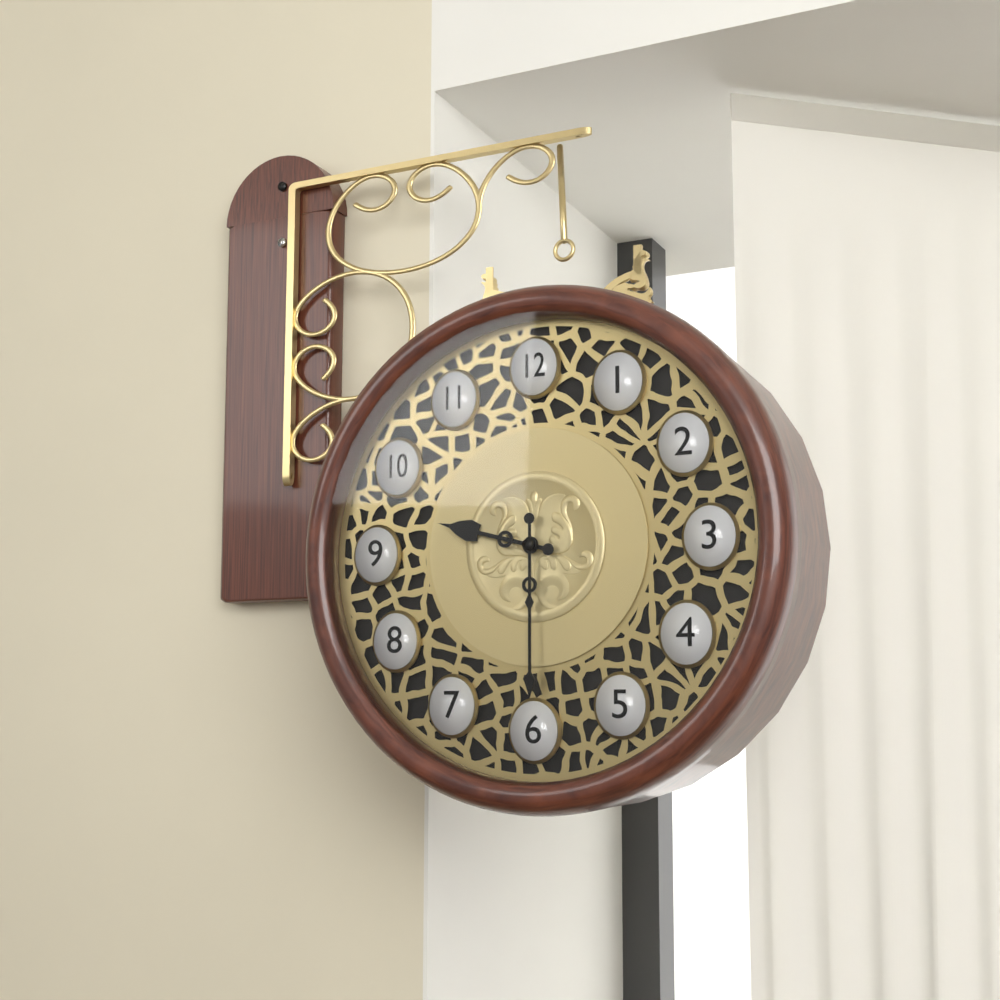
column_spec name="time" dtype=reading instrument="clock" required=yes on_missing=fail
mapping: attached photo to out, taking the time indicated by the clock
9:30
